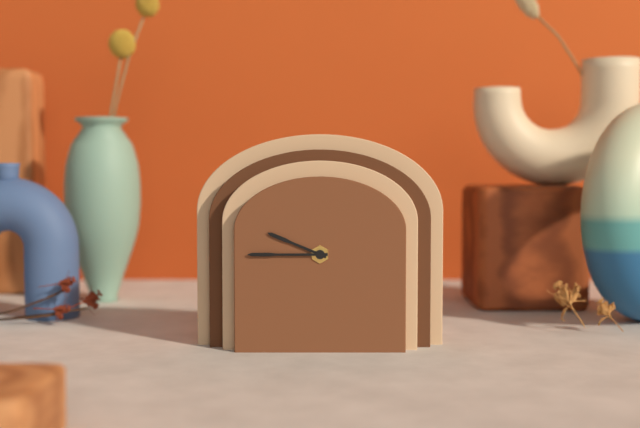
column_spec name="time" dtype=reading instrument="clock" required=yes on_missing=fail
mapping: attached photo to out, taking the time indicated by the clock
9:45
